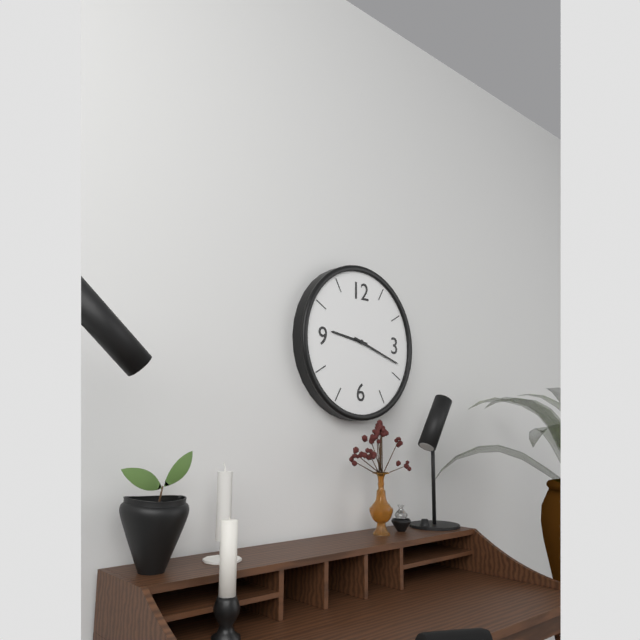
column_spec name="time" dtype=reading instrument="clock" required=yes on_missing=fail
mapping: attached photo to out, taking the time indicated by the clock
9:18
